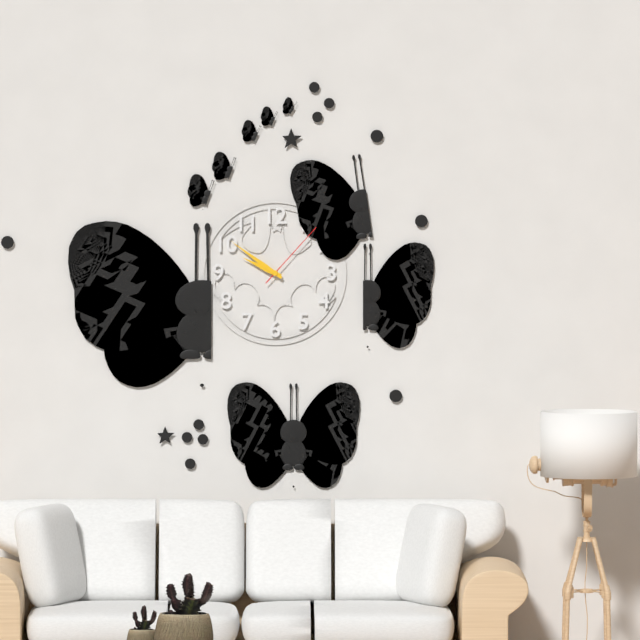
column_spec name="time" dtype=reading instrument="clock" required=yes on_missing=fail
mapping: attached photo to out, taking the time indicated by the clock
9:51:07
